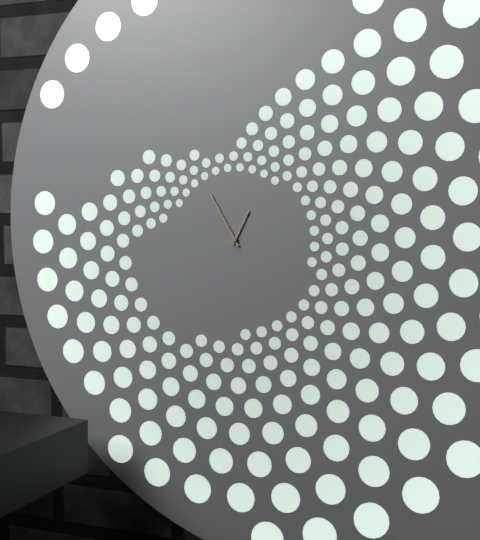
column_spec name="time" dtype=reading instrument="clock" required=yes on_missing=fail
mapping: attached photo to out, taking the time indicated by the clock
12:55
